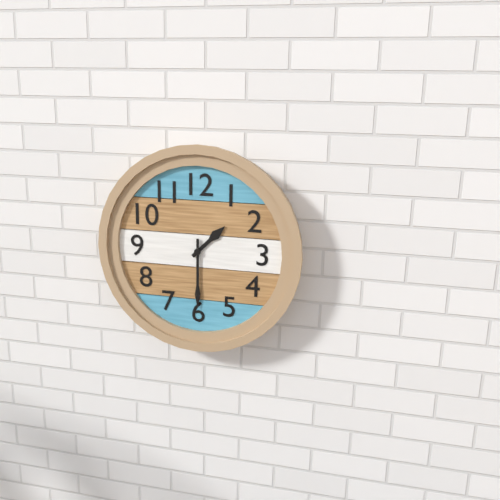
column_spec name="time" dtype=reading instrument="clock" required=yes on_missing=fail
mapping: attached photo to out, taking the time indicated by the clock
1:30
